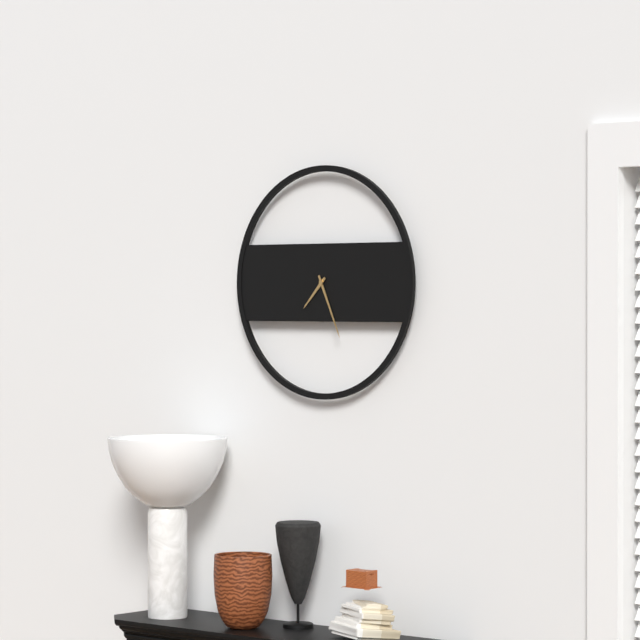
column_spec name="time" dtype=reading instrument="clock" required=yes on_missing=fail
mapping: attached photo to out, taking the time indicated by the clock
7:26
